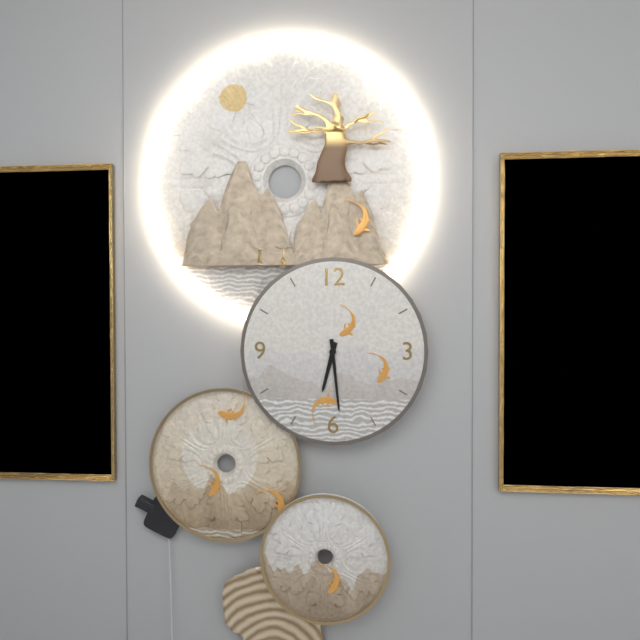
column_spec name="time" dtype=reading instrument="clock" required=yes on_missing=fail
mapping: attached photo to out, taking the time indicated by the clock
6:29
